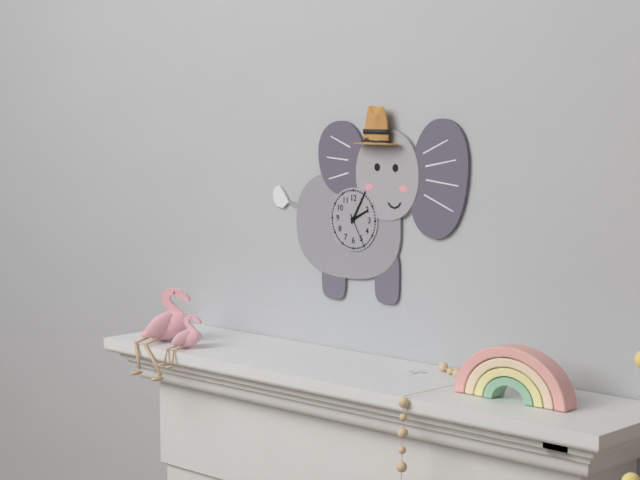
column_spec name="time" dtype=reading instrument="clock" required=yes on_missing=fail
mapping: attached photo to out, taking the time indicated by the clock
2:05
